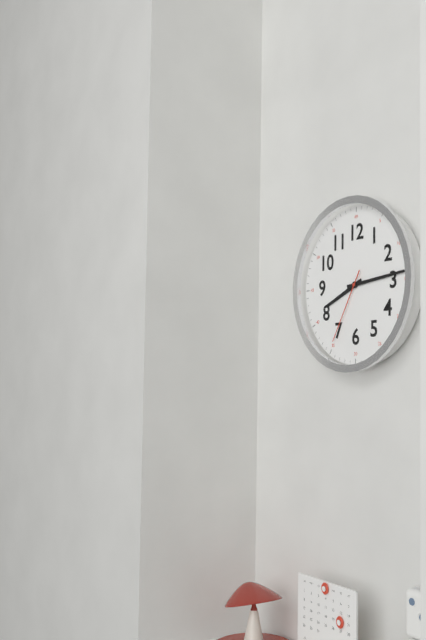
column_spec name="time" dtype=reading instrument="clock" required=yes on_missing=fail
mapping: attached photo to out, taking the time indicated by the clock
8:14:35
